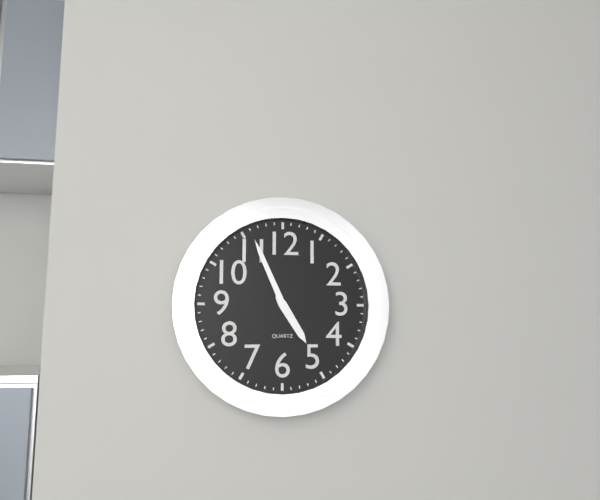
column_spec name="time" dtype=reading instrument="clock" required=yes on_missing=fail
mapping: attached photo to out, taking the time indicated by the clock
4:56
